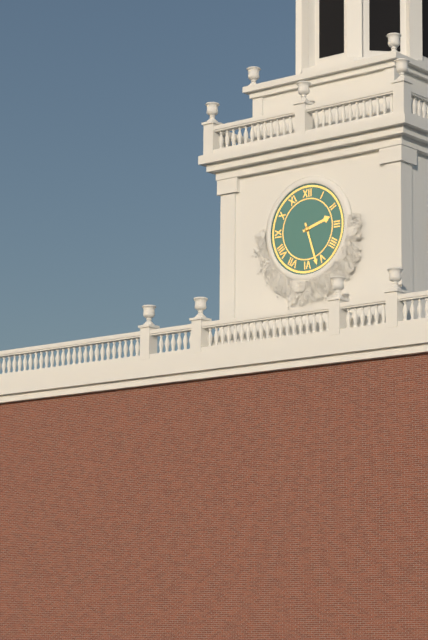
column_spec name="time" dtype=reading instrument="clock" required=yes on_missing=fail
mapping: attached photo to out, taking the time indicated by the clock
2:27
